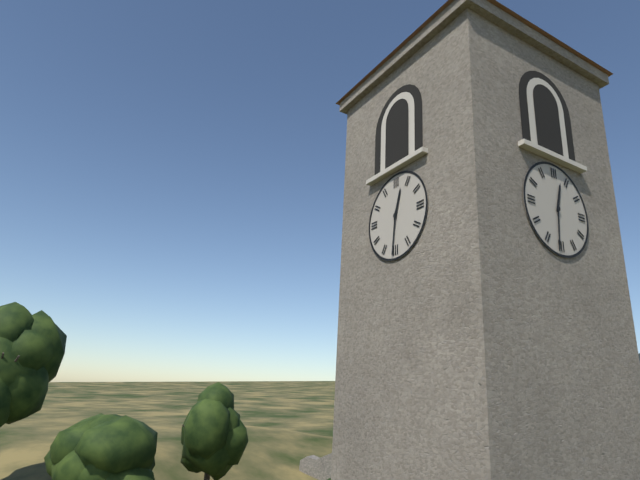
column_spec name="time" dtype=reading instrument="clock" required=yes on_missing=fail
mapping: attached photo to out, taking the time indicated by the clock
12:31
